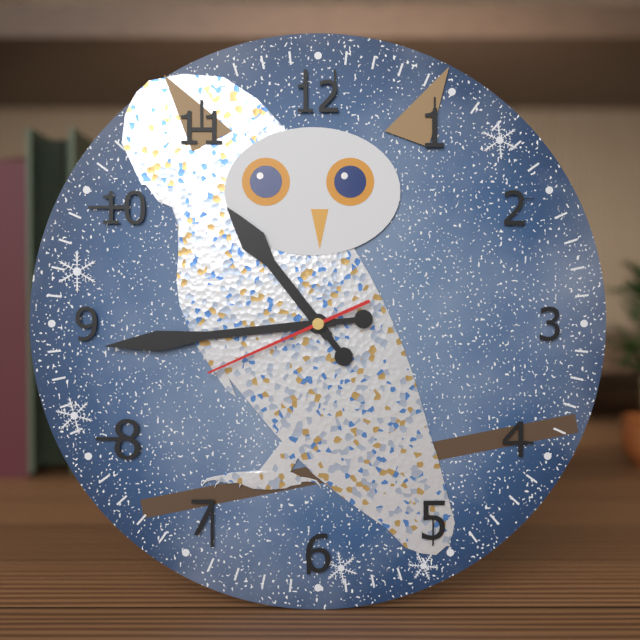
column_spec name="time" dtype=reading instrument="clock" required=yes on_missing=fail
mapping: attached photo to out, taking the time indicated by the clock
10:44:41
